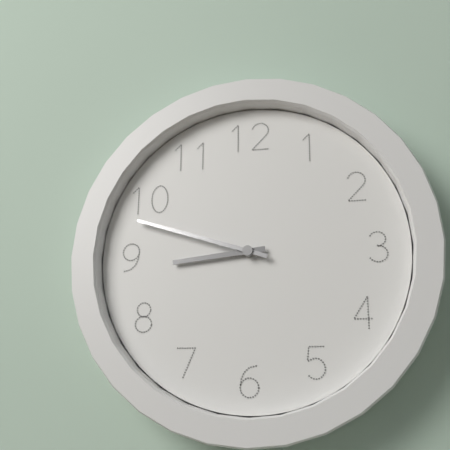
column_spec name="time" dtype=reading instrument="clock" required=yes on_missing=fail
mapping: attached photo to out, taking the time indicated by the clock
8:48
